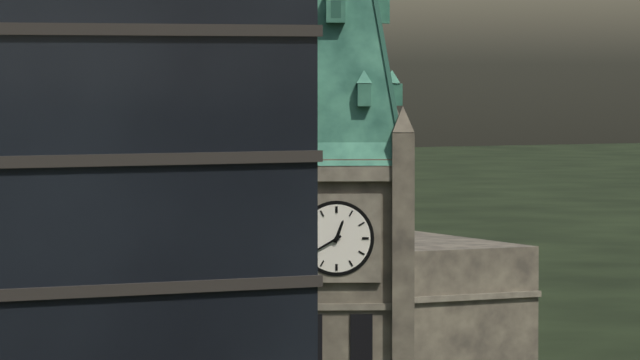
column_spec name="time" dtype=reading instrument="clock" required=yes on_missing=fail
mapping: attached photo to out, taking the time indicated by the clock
12:40
